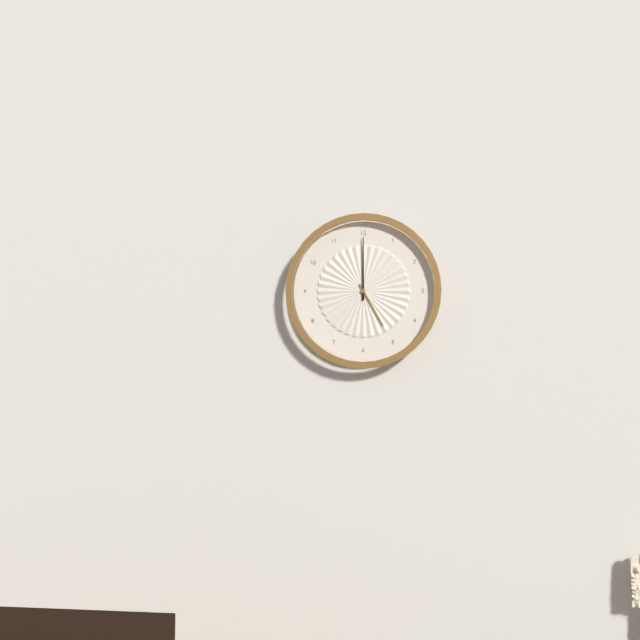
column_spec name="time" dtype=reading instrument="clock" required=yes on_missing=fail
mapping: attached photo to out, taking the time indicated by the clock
5:00
